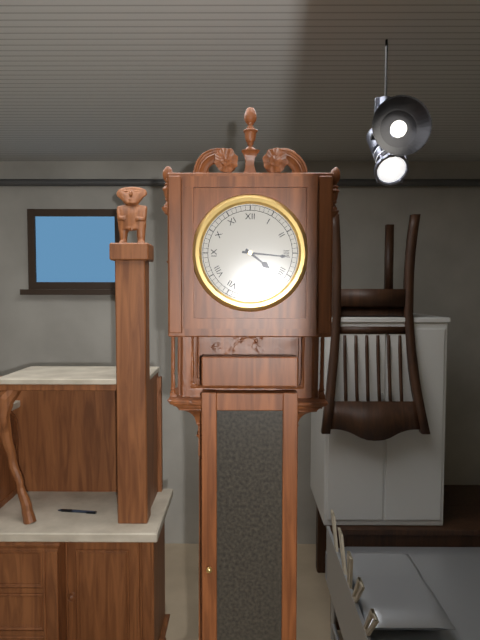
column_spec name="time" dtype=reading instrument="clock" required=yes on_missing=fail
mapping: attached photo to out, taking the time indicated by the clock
4:16
